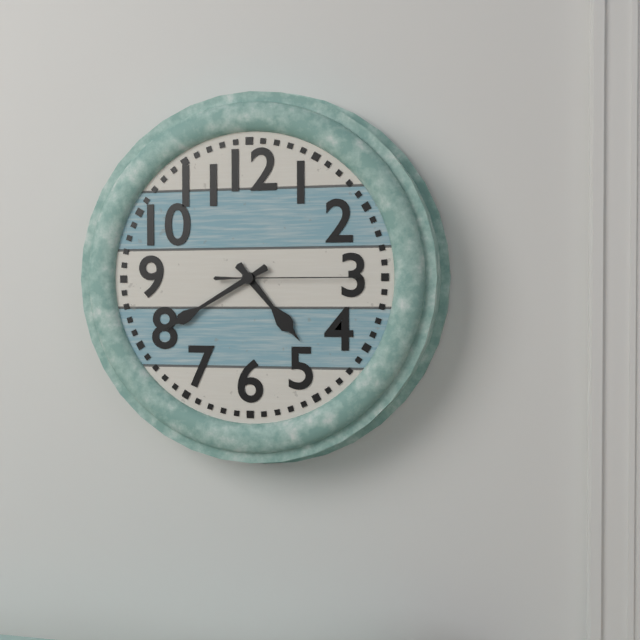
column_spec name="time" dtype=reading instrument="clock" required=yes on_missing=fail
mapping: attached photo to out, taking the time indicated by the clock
4:40:15
